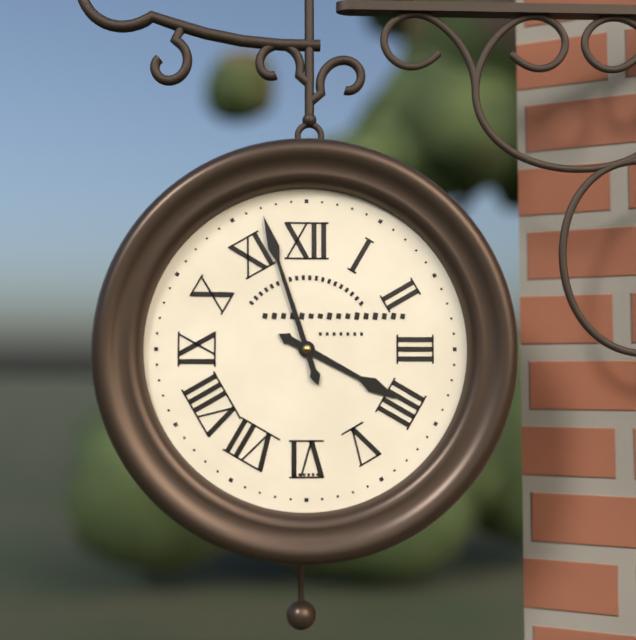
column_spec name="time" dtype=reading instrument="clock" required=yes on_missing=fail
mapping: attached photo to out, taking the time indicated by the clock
3:57
